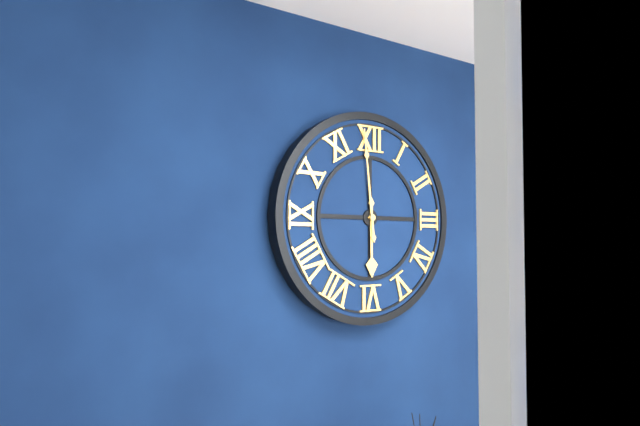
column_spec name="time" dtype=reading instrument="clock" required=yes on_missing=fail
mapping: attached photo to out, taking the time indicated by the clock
5:59
